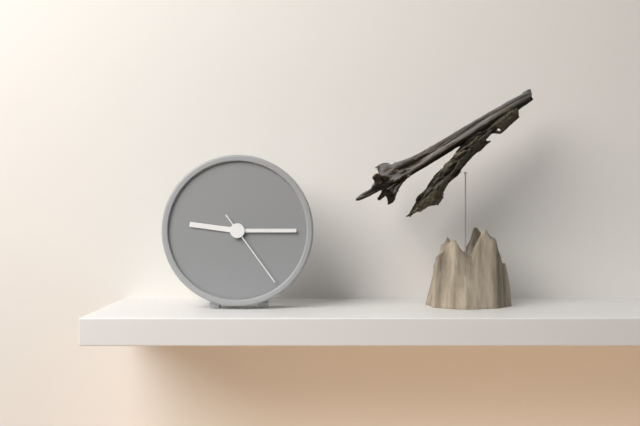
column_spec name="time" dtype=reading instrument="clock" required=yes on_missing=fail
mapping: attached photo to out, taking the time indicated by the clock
9:15:24
